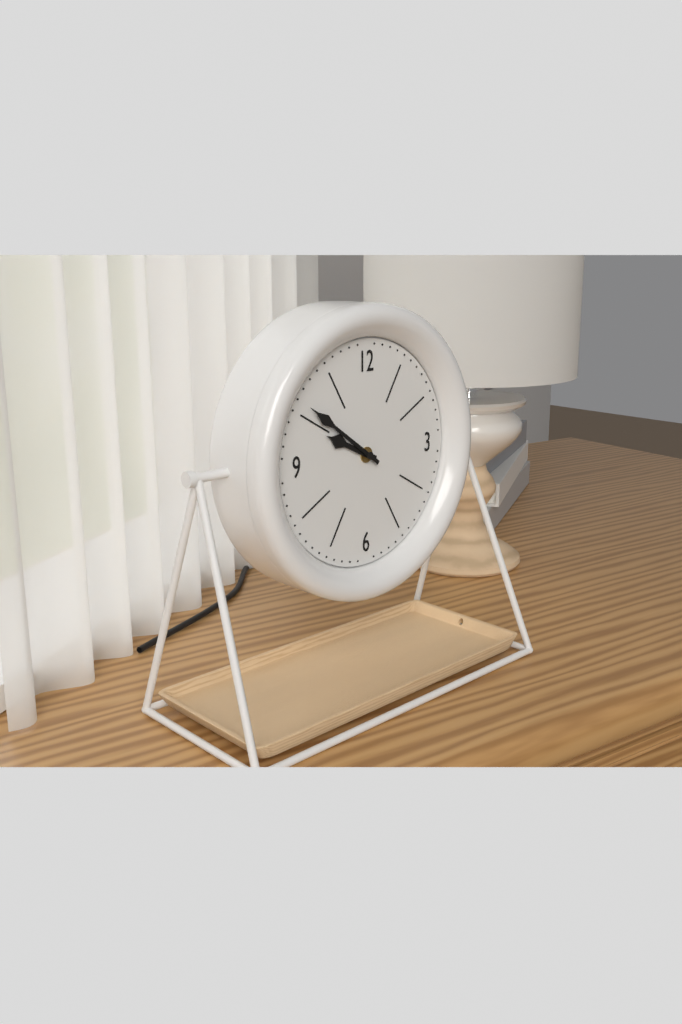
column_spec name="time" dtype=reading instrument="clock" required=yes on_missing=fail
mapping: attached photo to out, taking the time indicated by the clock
9:51
